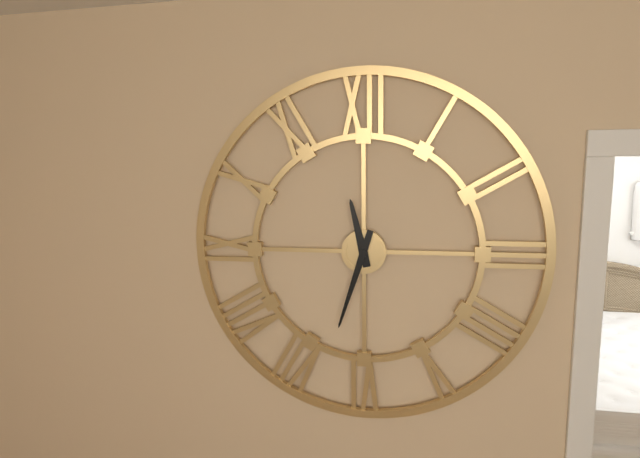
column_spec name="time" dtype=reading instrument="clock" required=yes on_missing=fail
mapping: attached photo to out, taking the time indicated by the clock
11:33
